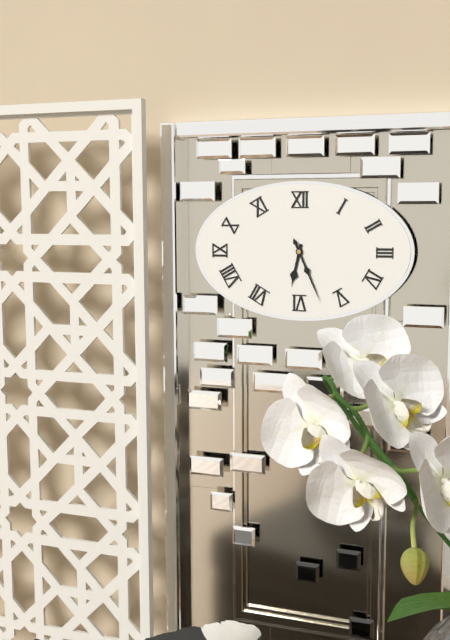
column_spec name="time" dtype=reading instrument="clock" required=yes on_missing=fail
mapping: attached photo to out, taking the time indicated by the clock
6:26
